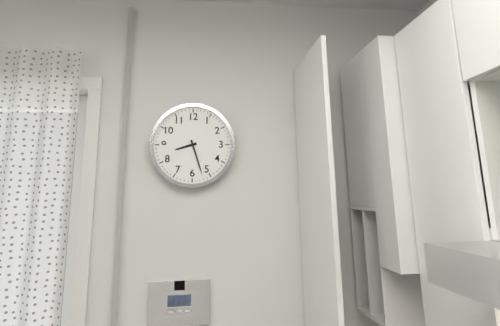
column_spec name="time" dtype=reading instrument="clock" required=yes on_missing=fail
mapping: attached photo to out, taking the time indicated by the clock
8:27
